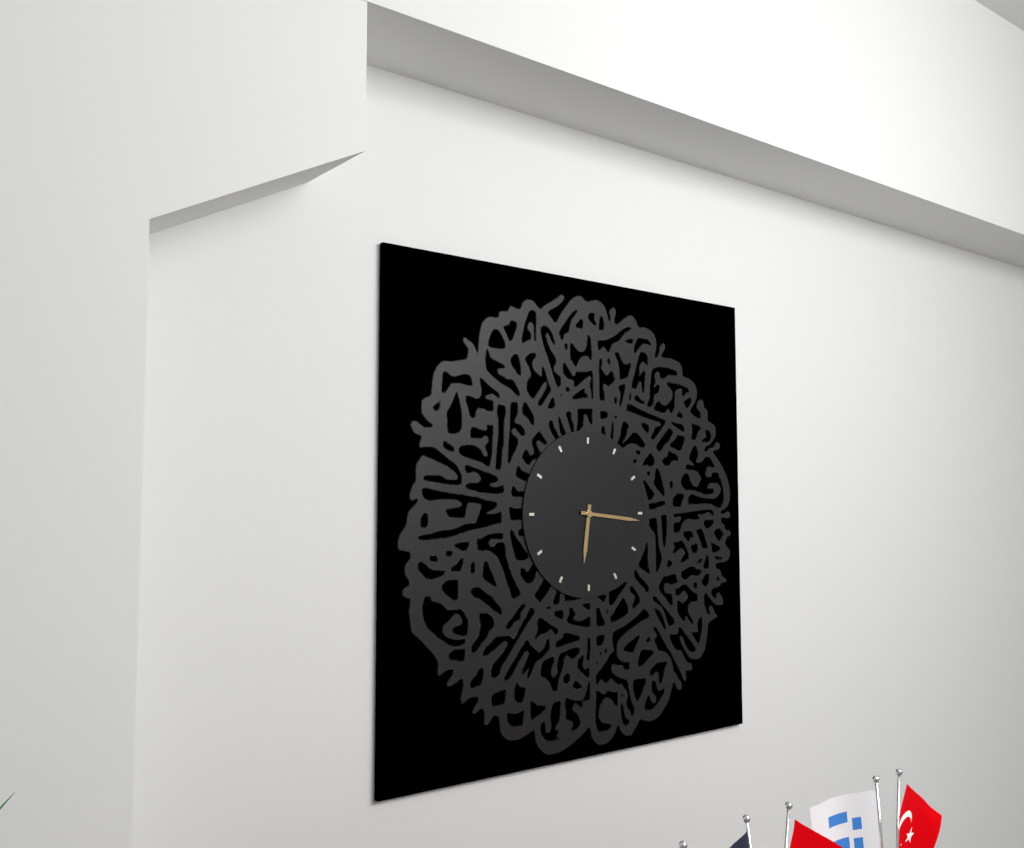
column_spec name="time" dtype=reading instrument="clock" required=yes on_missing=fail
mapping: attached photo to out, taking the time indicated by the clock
6:16
